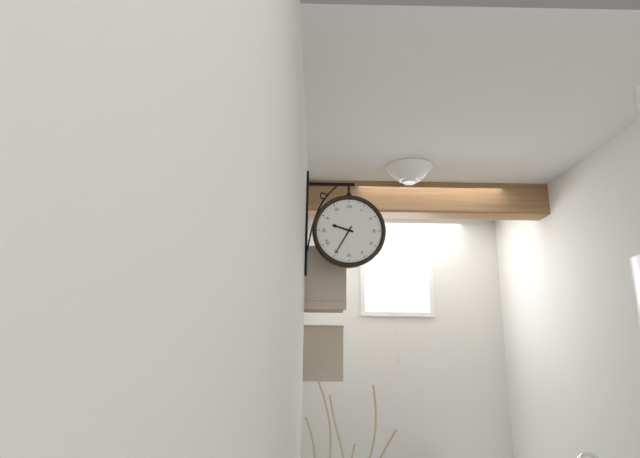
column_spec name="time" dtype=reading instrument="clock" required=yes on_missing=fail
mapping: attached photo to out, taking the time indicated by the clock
9:35
